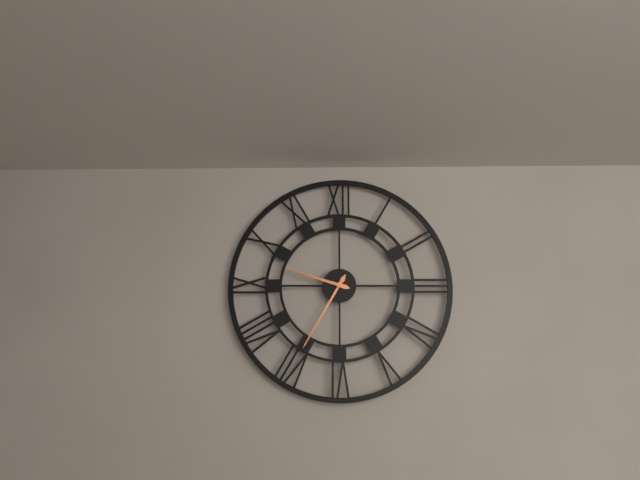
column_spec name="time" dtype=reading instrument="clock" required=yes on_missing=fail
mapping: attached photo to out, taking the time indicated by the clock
9:35
